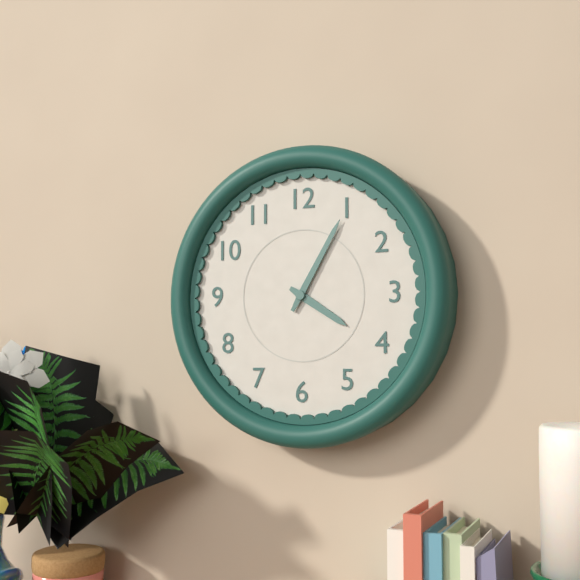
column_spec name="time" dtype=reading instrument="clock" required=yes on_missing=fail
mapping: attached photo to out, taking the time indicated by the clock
4:05
